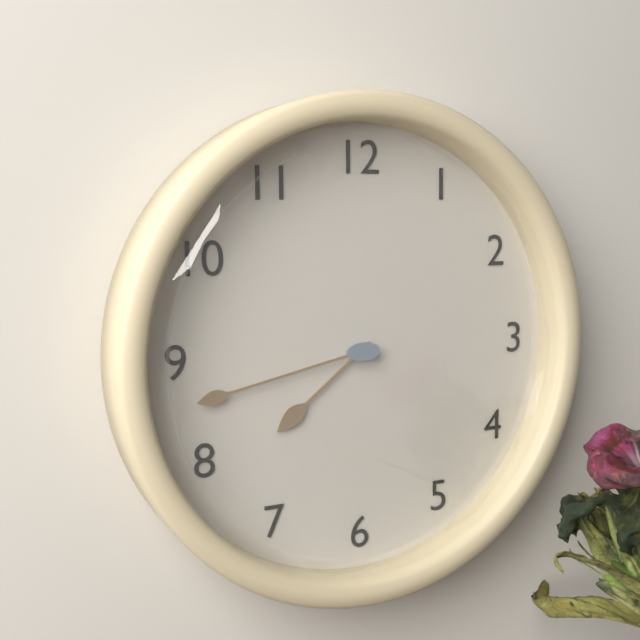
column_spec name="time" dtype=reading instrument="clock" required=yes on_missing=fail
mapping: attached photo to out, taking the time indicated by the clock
7:43
